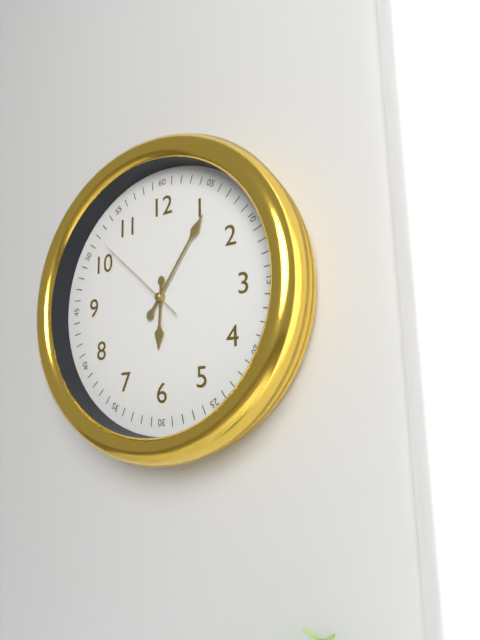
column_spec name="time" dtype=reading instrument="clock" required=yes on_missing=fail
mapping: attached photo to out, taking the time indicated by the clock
6:06:52
